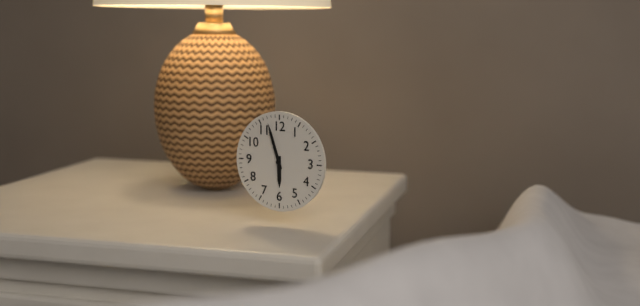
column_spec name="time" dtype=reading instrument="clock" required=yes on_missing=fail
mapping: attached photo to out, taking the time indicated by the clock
5:57
